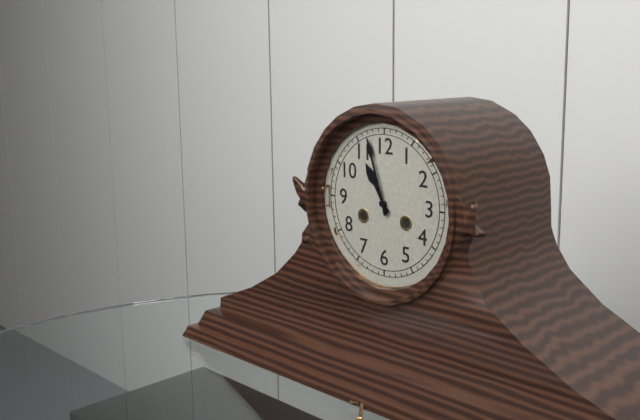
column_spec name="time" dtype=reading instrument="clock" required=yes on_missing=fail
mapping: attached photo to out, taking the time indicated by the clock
10:57
